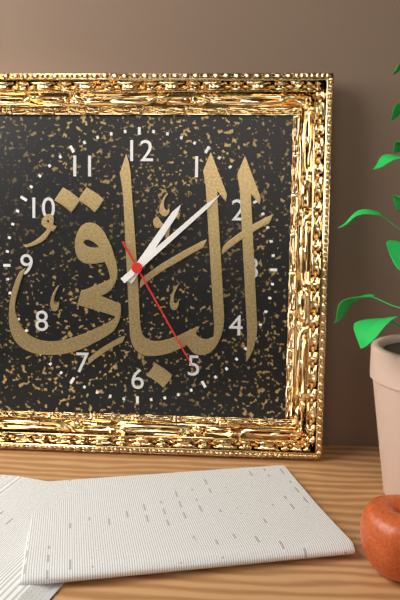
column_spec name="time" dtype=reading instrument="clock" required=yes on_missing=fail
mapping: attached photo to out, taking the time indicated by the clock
1:08:25
